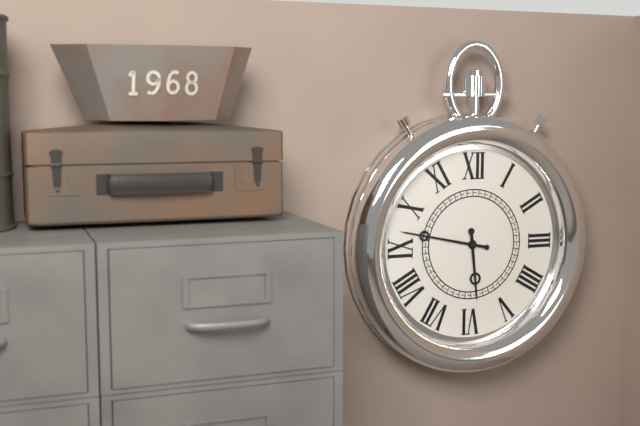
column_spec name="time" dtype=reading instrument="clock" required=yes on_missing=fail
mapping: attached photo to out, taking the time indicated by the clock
5:47
